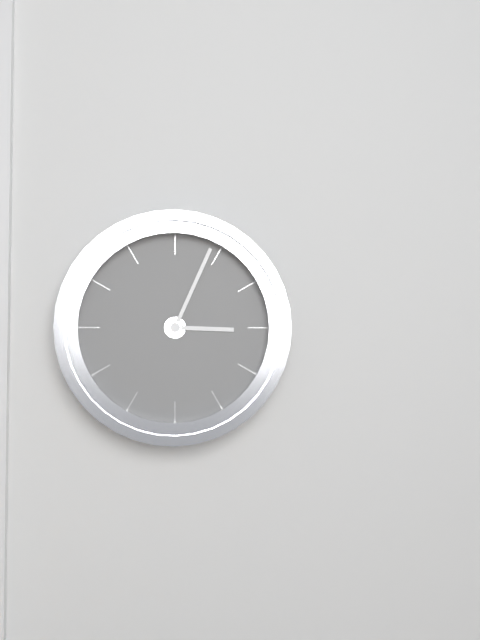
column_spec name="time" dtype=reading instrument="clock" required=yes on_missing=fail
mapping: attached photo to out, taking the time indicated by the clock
3:04
